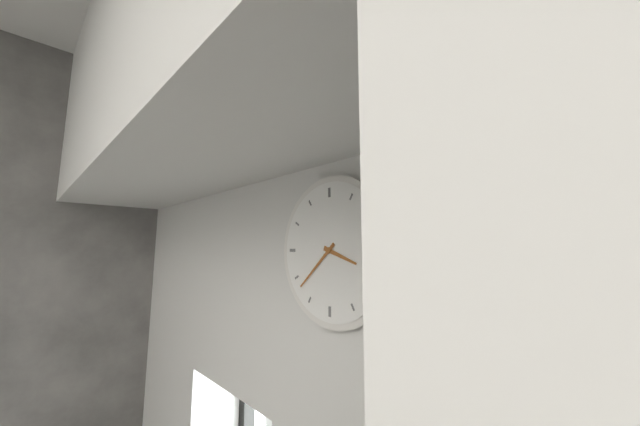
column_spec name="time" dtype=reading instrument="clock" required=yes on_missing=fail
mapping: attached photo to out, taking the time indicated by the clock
3:38
